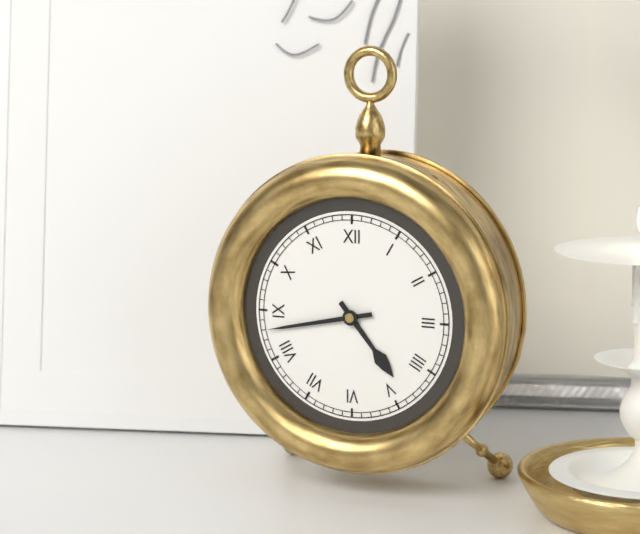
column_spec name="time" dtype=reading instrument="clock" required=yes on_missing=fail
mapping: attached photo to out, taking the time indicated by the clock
4:43
